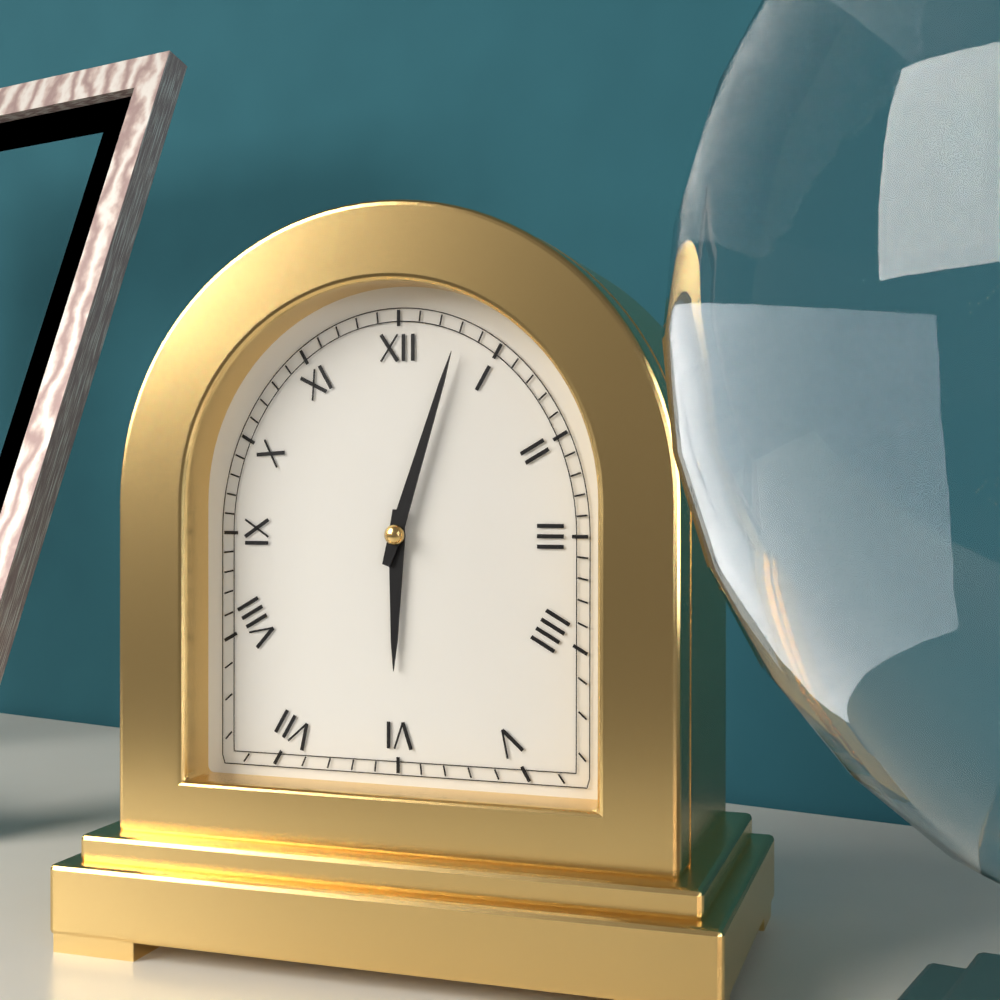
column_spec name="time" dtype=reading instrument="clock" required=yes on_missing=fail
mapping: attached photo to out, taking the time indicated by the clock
6:03
